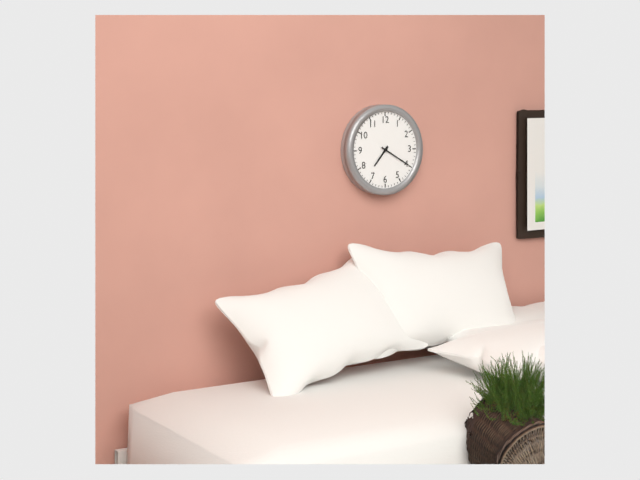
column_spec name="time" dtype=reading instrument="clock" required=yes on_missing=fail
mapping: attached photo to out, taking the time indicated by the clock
7:20
